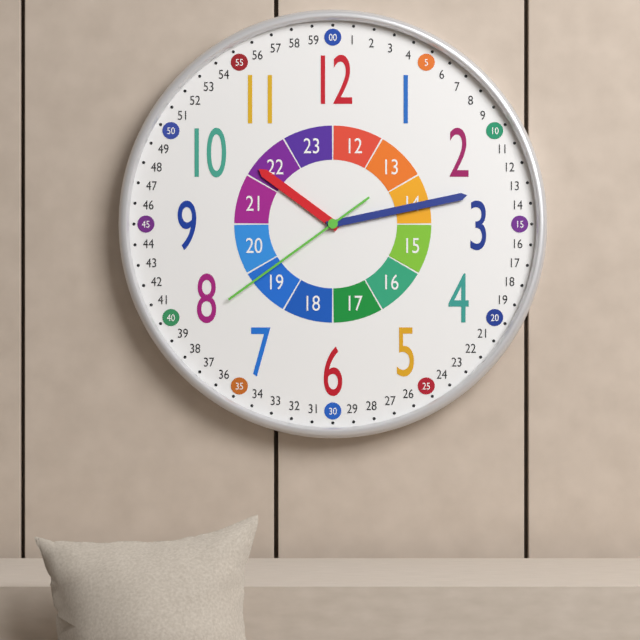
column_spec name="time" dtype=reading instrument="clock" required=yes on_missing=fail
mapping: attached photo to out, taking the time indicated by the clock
10:13:39
